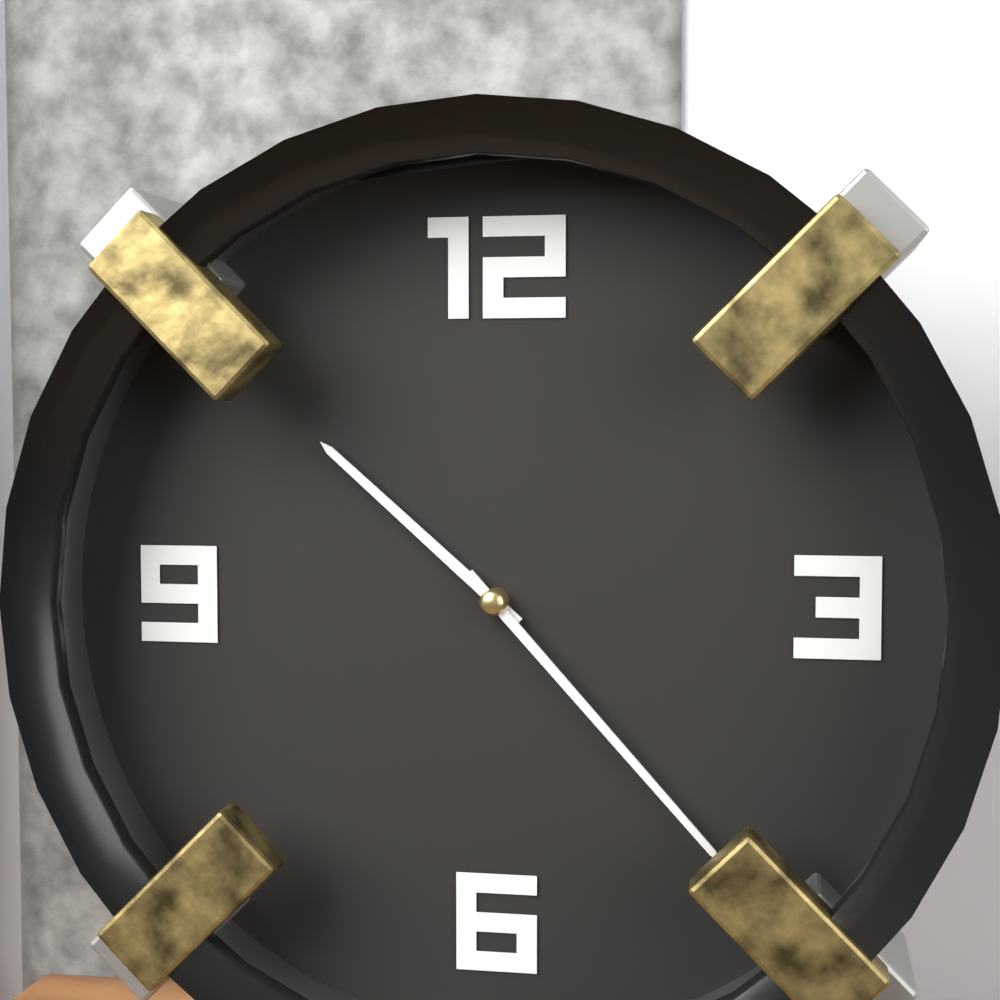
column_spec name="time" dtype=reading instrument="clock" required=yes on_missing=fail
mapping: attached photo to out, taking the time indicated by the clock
10:23
